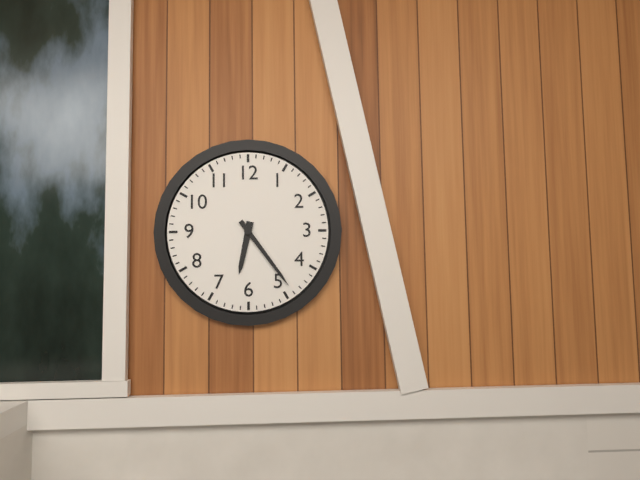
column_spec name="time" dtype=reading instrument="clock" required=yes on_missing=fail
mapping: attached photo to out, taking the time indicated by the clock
6:24
